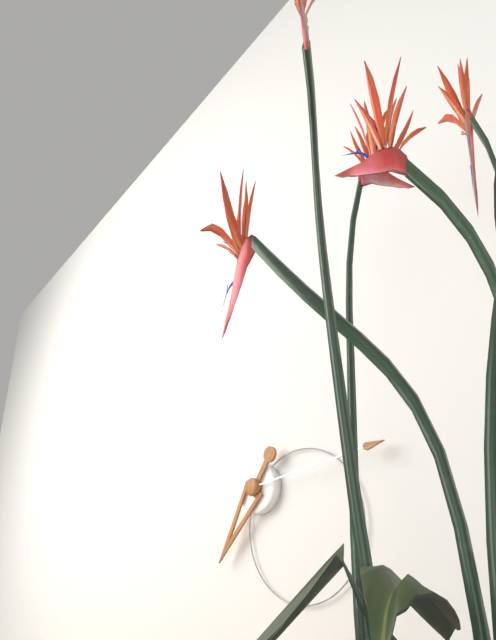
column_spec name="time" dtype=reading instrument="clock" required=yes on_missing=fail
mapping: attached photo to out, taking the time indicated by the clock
7:14
